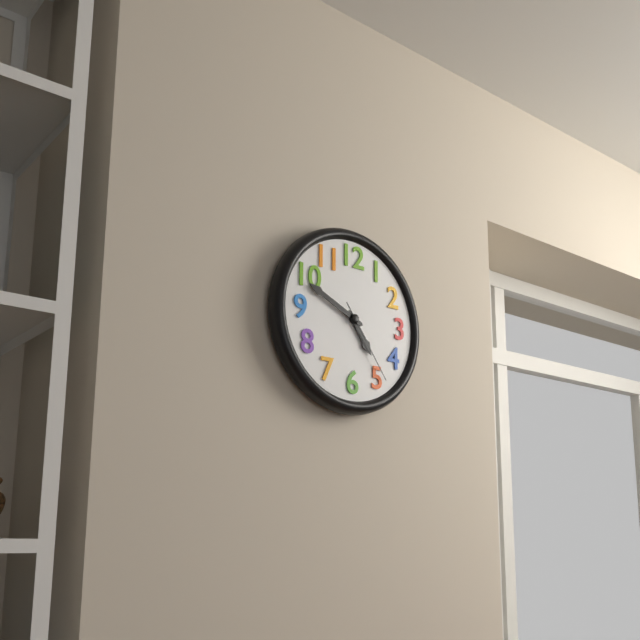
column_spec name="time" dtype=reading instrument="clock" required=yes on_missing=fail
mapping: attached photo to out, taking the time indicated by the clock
4:49:24
